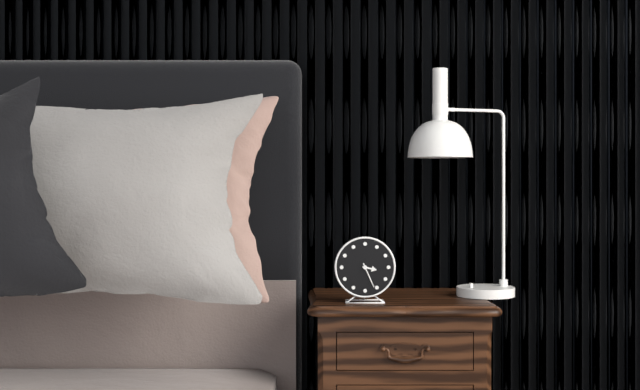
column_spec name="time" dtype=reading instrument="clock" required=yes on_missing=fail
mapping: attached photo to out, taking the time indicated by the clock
3:26
